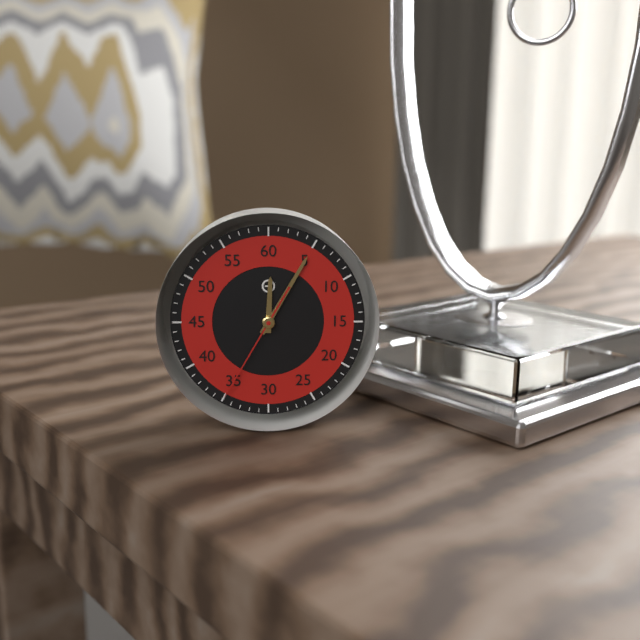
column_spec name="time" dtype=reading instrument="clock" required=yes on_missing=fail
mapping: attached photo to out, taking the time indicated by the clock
12:05:35
